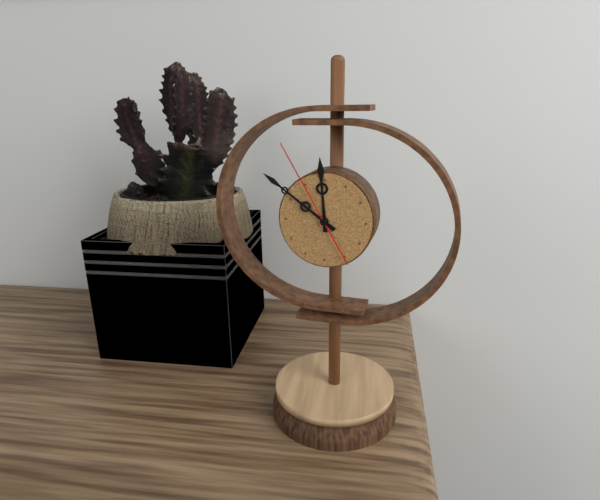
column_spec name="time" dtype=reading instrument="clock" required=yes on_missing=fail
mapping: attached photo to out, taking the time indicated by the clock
11:51:55
